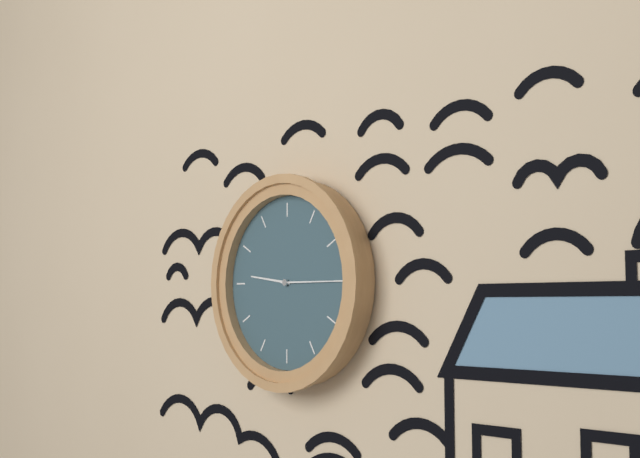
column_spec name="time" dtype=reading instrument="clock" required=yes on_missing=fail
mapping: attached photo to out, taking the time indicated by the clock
9:15
